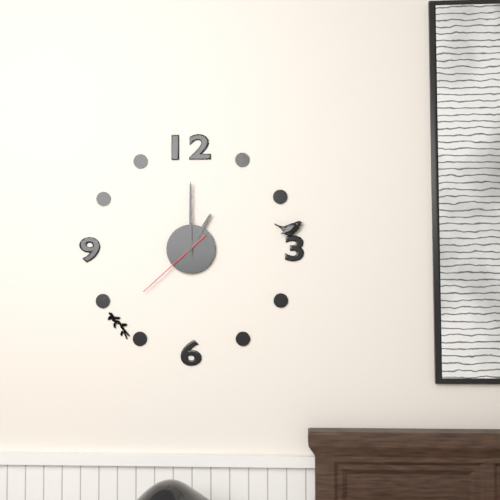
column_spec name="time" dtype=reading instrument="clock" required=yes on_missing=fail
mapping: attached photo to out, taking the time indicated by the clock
1:00:38
